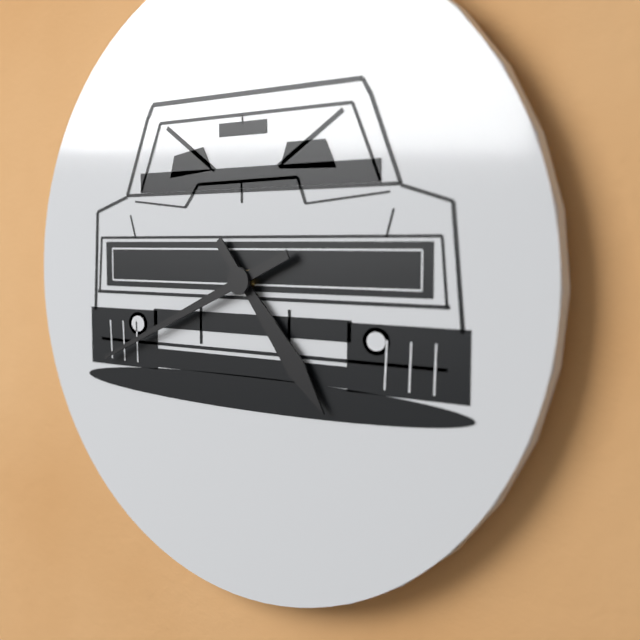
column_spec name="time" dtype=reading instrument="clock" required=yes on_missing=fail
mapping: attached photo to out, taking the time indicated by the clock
4:41
